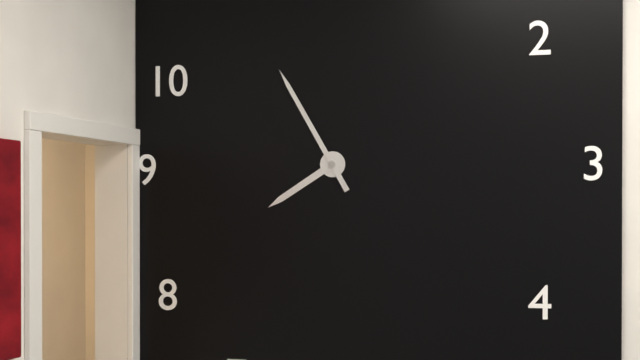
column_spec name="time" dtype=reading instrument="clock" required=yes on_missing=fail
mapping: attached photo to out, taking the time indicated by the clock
7:55
